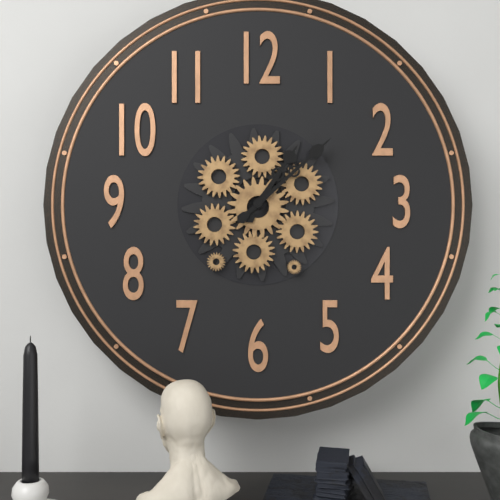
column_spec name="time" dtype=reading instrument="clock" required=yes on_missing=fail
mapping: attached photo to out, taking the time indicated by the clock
1:08
